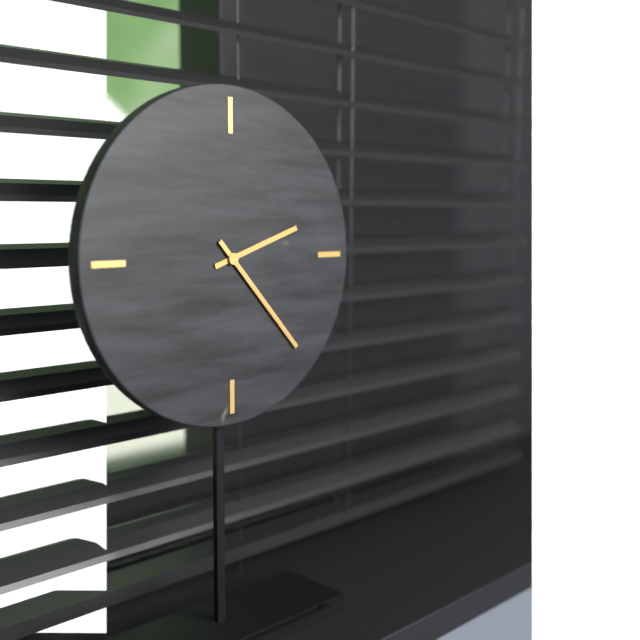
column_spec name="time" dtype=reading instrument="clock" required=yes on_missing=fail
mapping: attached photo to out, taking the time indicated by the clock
2:23
